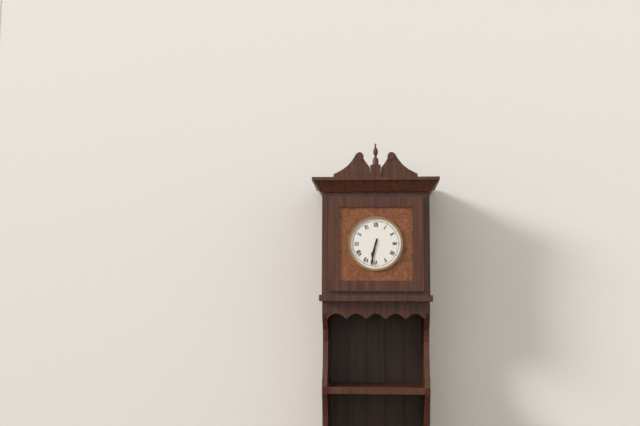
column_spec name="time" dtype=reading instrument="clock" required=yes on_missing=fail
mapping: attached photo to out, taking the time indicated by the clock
6:32
